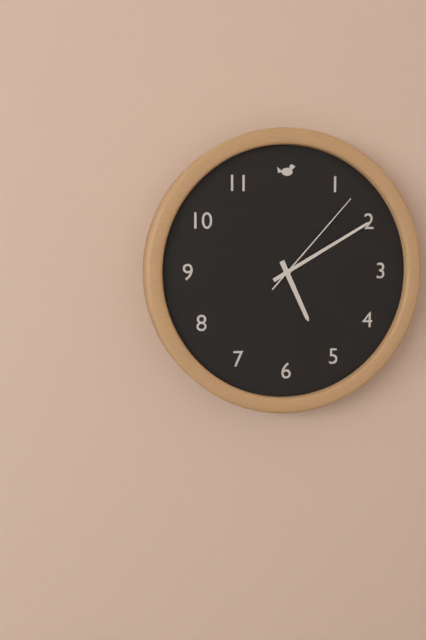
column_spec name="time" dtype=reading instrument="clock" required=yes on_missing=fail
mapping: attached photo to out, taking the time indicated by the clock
5:10:07
